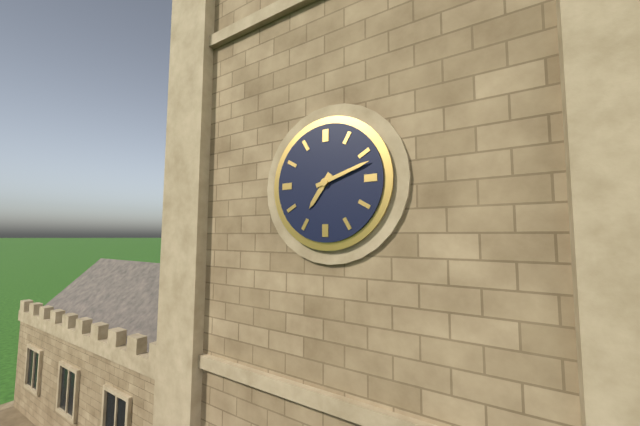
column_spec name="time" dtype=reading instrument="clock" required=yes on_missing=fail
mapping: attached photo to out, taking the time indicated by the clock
7:12
